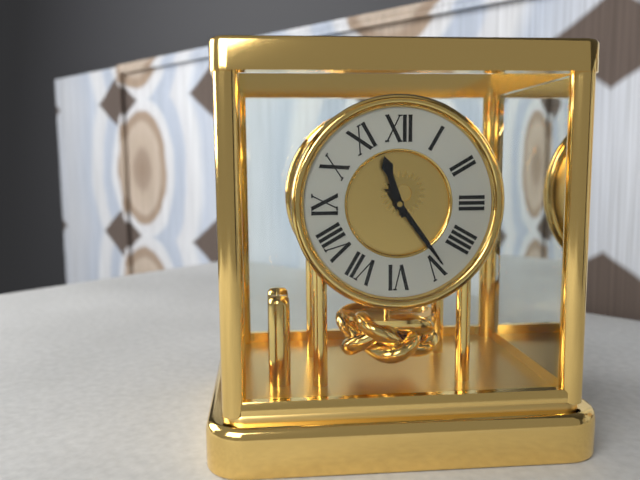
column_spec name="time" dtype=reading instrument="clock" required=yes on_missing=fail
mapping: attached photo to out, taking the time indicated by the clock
11:24
